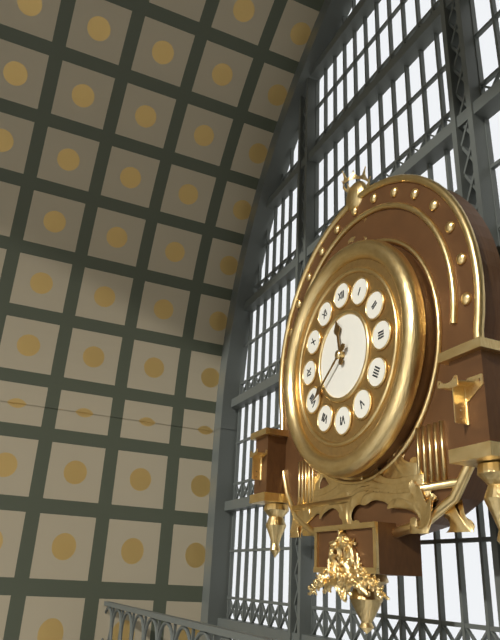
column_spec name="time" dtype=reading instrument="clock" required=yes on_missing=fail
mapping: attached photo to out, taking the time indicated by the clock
11:39
